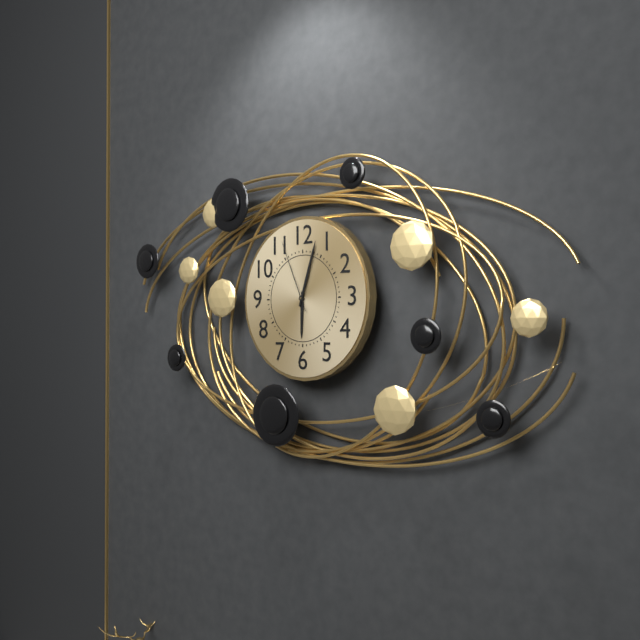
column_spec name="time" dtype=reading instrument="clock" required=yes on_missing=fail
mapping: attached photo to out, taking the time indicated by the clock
6:03:56
